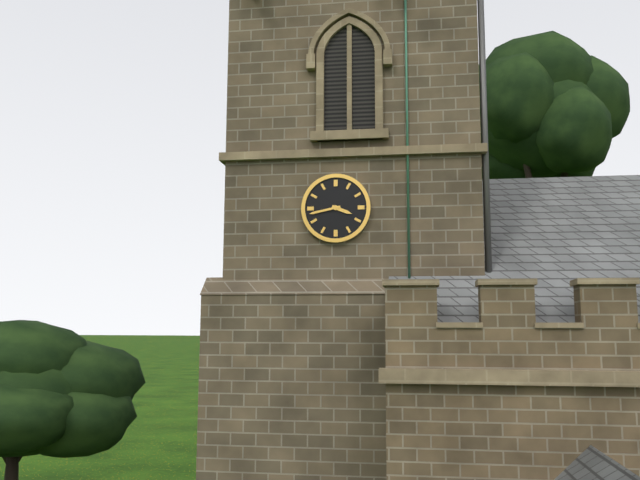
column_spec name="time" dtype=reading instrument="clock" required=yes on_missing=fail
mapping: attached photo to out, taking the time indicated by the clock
3:43
